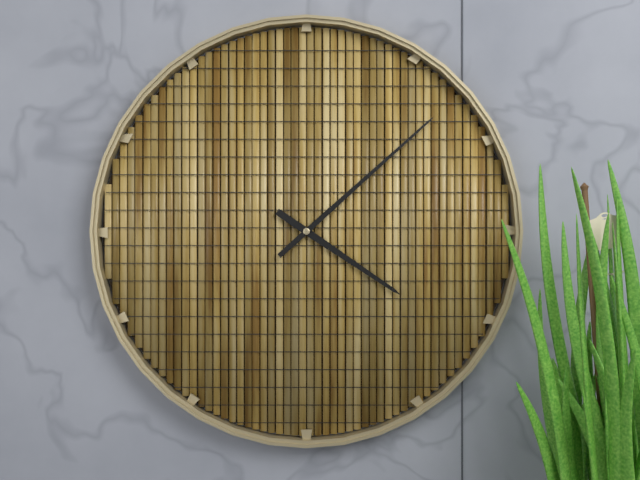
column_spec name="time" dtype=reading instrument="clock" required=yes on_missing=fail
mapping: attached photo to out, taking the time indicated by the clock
4:08
